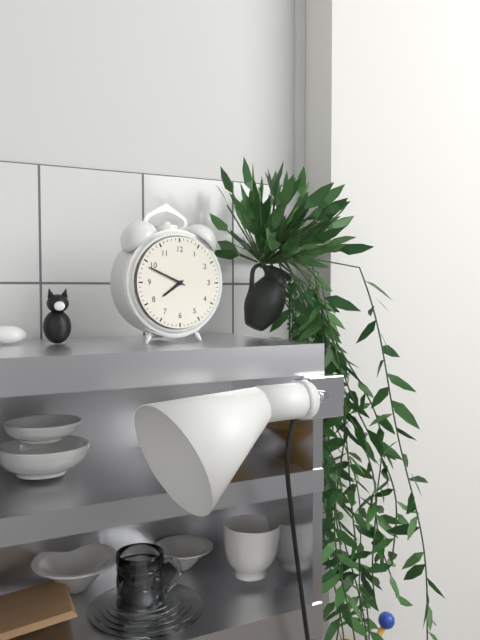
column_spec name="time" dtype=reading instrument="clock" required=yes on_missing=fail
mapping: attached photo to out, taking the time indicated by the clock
7:49
